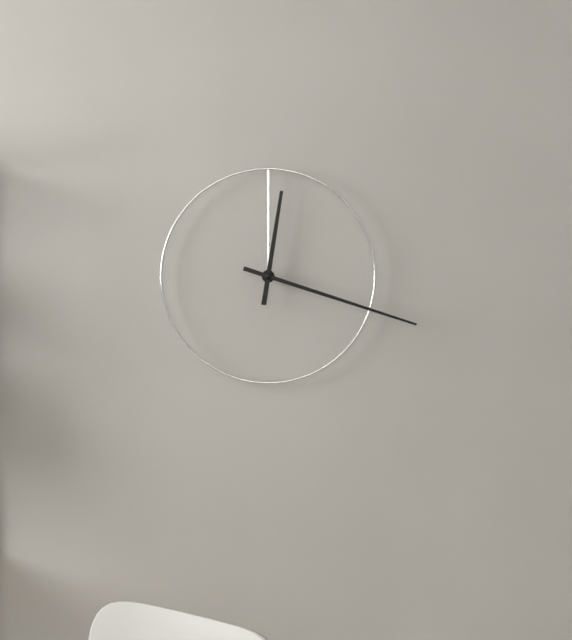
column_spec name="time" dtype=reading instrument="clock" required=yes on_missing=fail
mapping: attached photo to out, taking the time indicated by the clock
12:18
